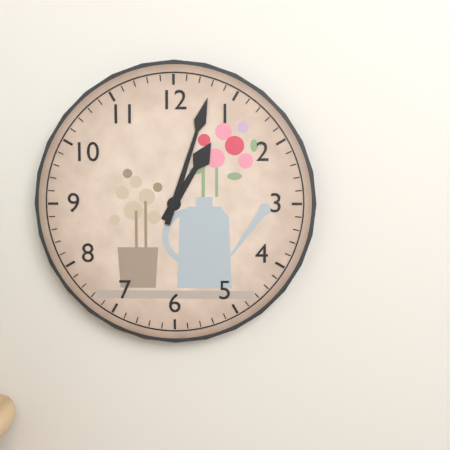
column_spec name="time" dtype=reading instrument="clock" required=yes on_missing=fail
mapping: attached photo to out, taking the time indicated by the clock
1:03
